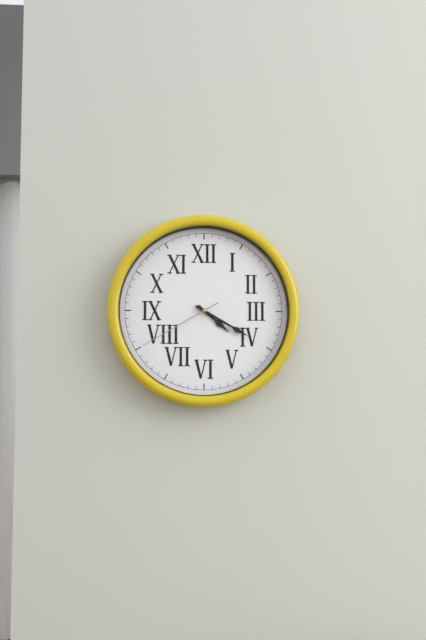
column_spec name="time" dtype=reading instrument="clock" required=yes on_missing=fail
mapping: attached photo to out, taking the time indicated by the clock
4:20:40
